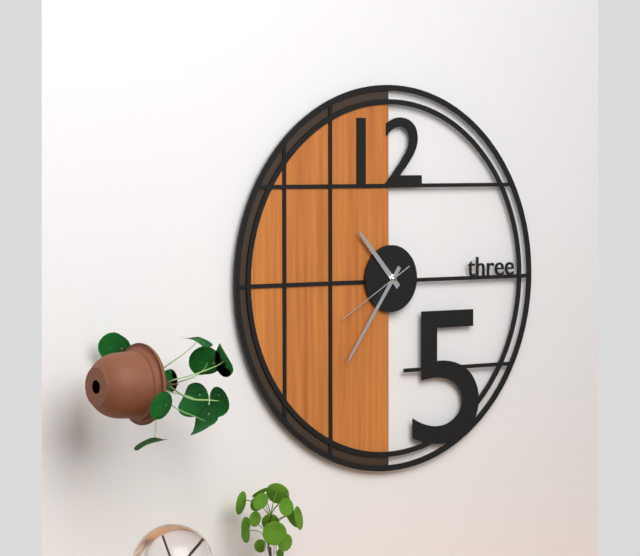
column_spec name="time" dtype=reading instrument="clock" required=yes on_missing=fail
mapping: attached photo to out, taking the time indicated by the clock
10:36:40
